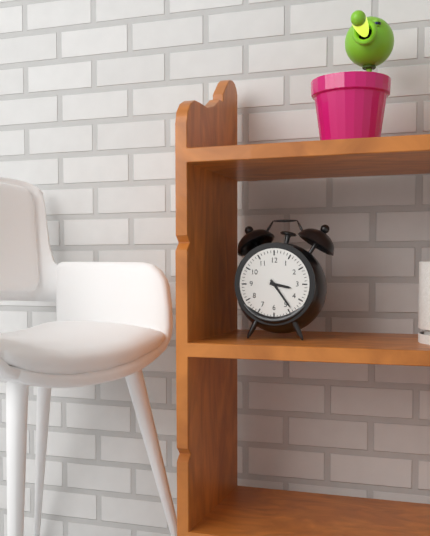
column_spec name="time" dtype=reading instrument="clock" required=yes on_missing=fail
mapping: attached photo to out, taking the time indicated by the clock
3:24
